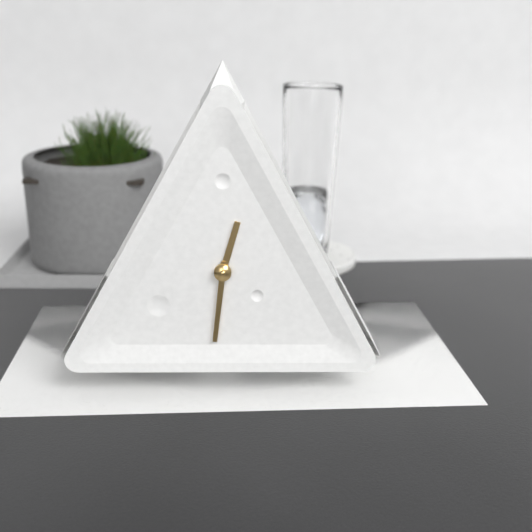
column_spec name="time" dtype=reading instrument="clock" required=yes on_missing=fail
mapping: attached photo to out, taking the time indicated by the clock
12:31
